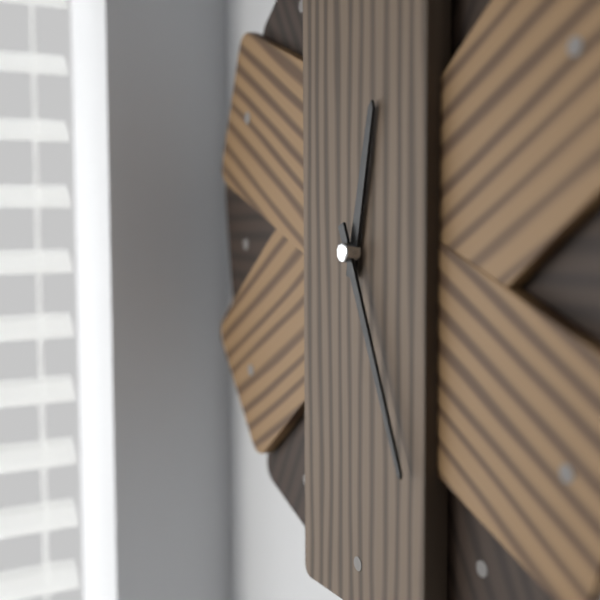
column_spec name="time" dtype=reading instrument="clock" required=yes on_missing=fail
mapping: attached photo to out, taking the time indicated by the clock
12:26
